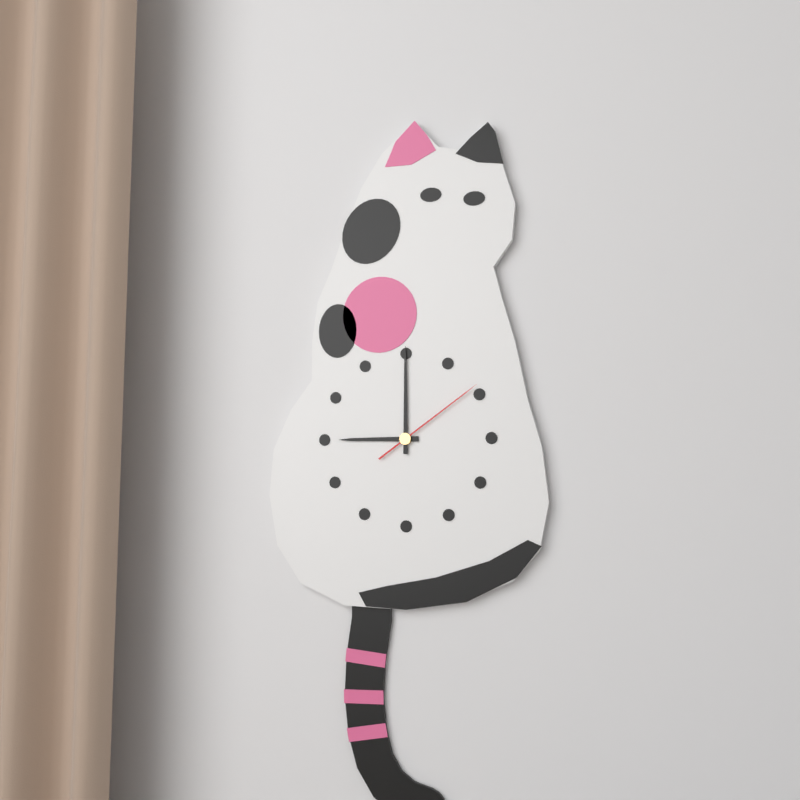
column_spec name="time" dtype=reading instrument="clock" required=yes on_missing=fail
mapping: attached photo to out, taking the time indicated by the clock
9:00:09
